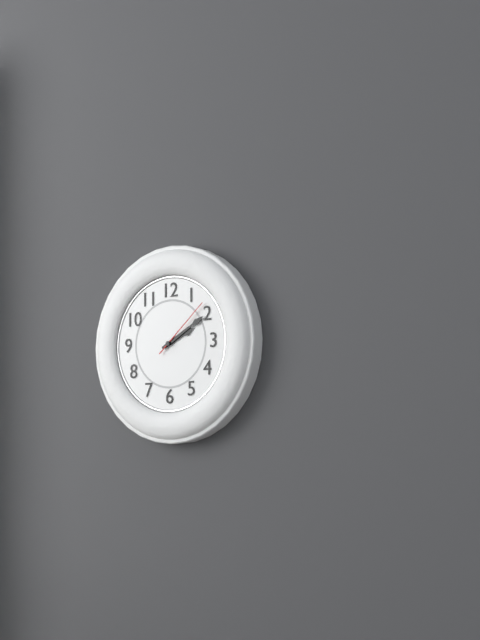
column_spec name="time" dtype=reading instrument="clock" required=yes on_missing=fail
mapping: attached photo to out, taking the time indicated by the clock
2:10:08
